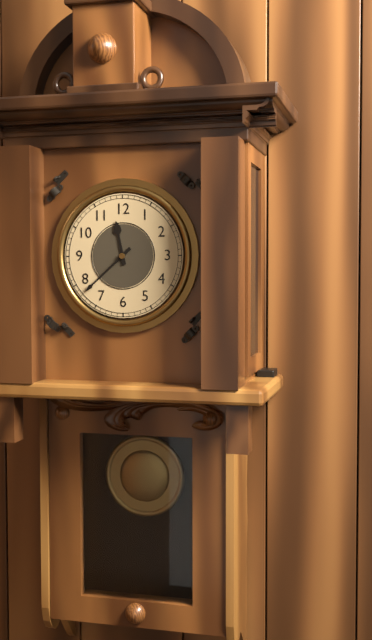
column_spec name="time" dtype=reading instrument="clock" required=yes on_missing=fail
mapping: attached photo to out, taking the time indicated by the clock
11:38
